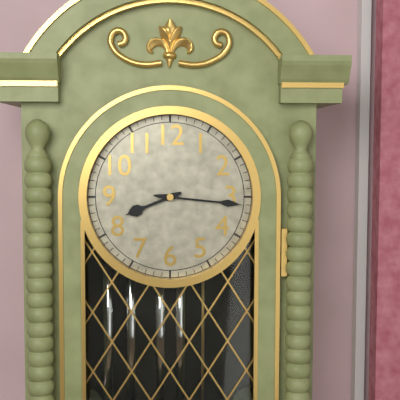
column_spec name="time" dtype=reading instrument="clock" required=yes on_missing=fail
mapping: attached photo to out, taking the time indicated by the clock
8:16
